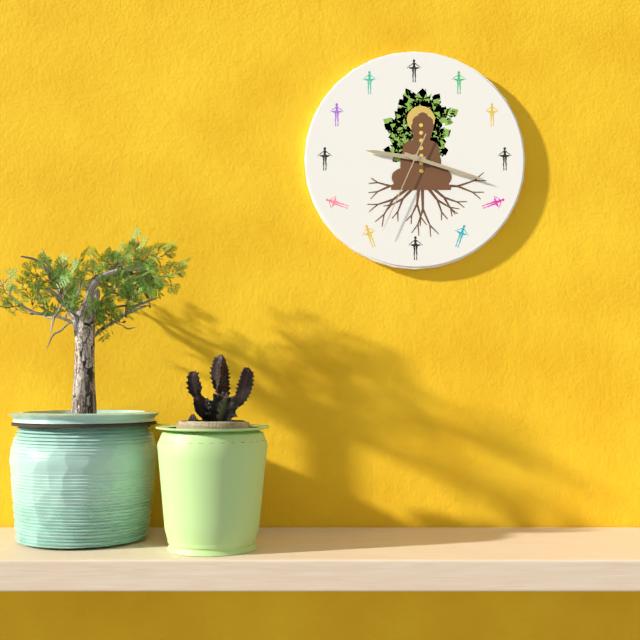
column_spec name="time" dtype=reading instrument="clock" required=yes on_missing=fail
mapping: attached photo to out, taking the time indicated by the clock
9:18:34
